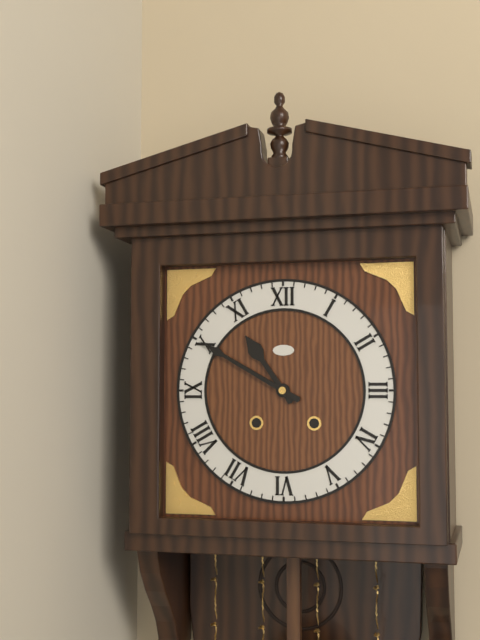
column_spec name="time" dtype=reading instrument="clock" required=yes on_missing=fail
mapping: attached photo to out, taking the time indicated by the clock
10:50
